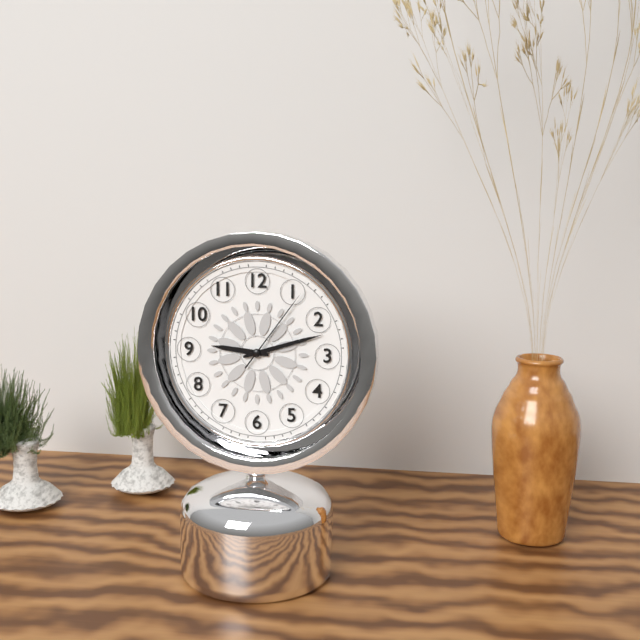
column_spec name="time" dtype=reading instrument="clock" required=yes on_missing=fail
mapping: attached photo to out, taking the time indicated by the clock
9:12:06
